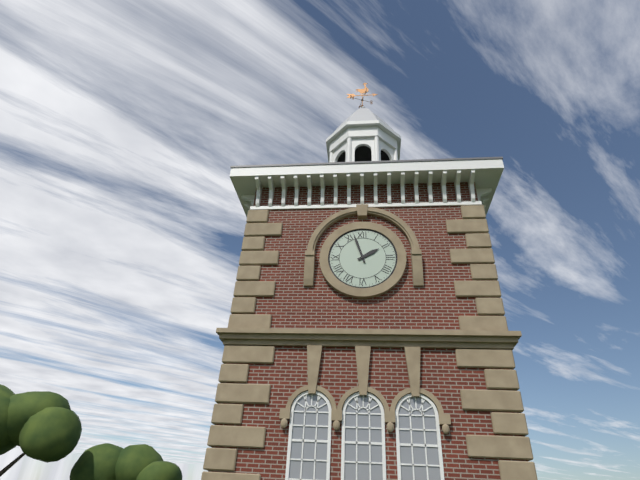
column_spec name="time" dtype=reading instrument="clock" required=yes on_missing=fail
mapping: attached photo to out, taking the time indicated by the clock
1:57
